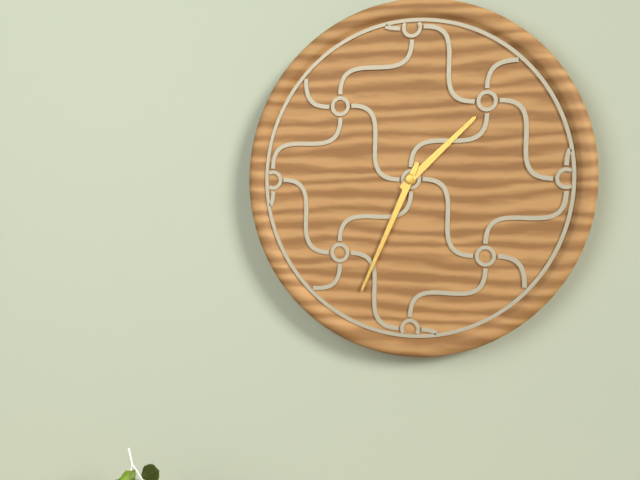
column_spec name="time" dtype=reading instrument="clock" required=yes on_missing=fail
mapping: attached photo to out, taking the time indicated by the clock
1:34
